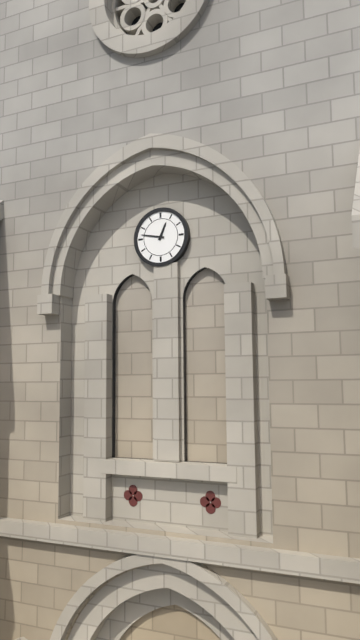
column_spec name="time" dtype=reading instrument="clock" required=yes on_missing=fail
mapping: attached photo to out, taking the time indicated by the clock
12:47
